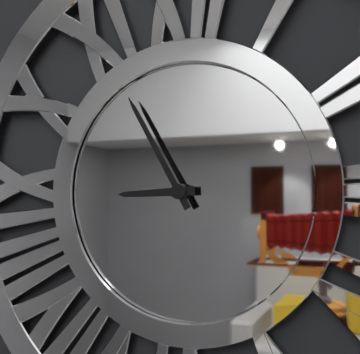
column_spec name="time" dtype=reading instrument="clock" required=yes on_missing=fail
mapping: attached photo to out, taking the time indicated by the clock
8:55
